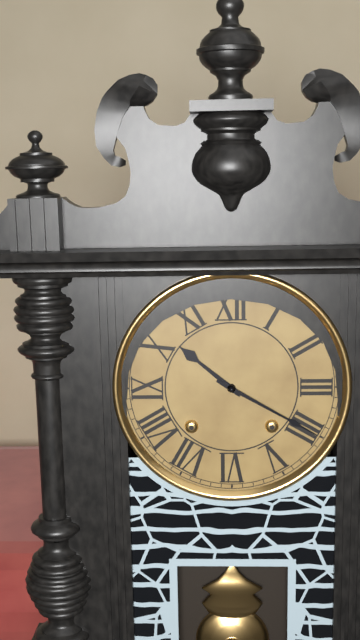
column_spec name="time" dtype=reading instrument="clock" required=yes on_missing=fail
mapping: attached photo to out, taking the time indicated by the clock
10:20
